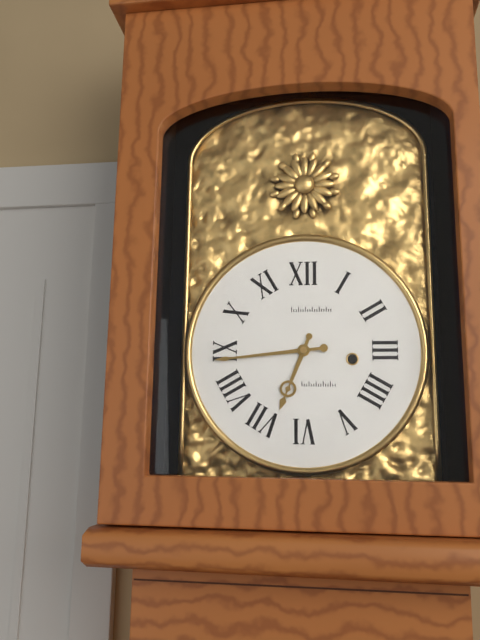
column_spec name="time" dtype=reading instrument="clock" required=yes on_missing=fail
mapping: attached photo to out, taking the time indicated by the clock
6:44
